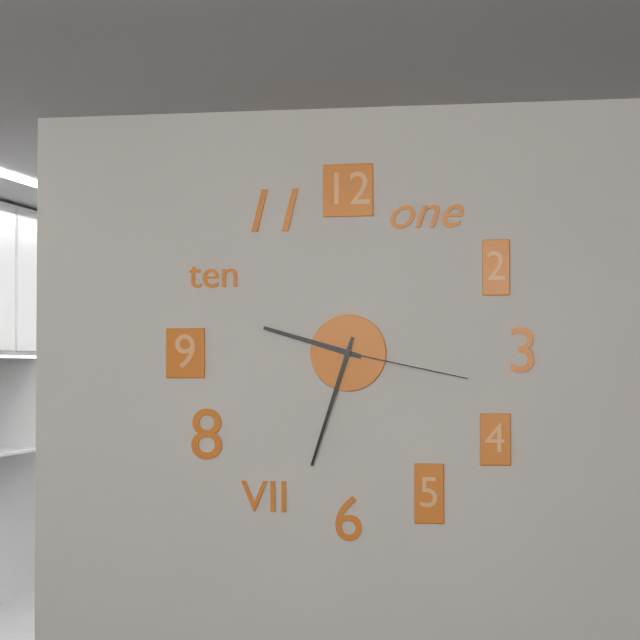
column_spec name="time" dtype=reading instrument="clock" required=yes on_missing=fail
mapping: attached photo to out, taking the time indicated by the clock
9:33:17
